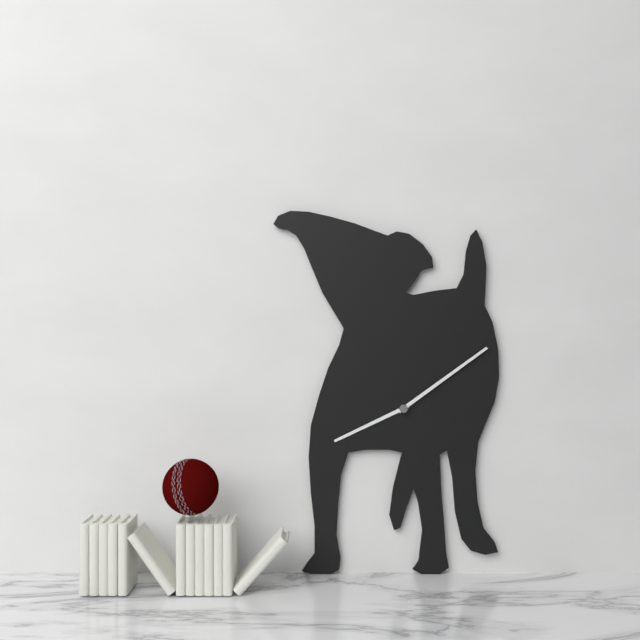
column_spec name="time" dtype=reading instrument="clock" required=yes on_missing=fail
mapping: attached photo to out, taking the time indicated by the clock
8:09
